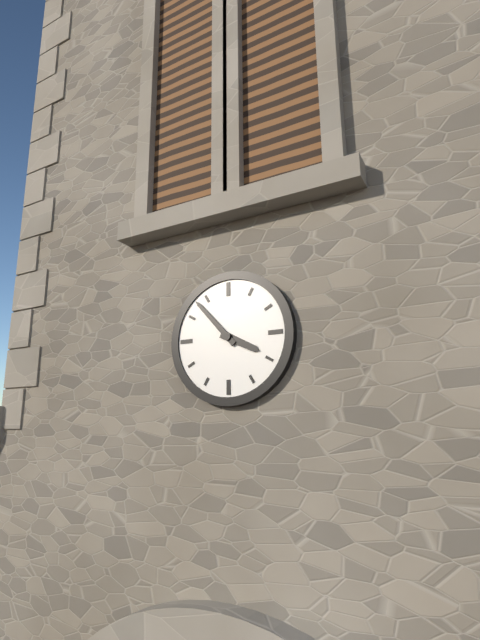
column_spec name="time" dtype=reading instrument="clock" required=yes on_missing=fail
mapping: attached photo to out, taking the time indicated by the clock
3:53
